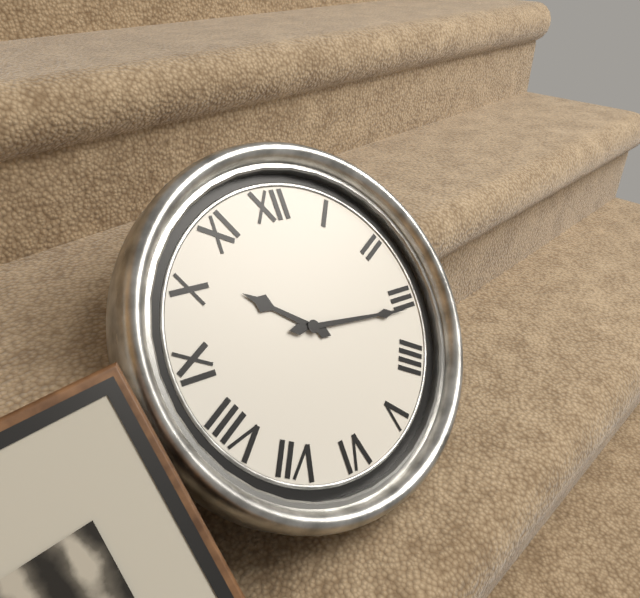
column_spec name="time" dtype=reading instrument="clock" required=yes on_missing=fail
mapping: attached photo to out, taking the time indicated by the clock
10:16
